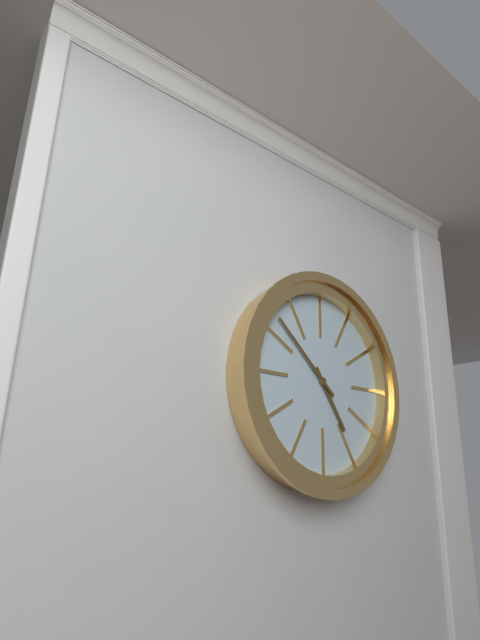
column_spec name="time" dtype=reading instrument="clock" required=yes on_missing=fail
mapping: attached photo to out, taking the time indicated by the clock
4:52
